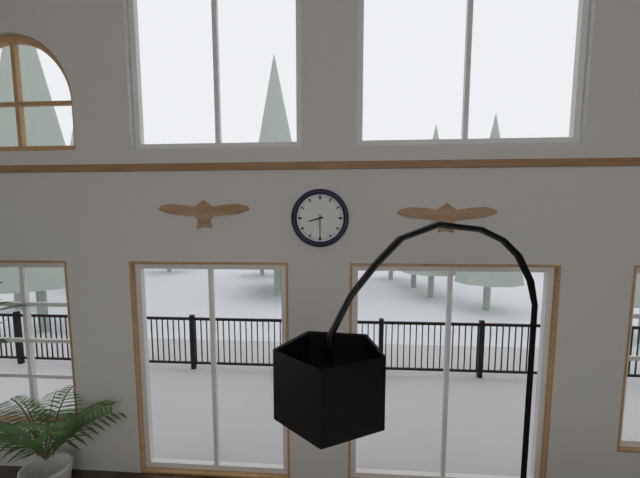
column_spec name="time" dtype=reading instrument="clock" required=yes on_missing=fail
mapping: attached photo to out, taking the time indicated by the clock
8:30
